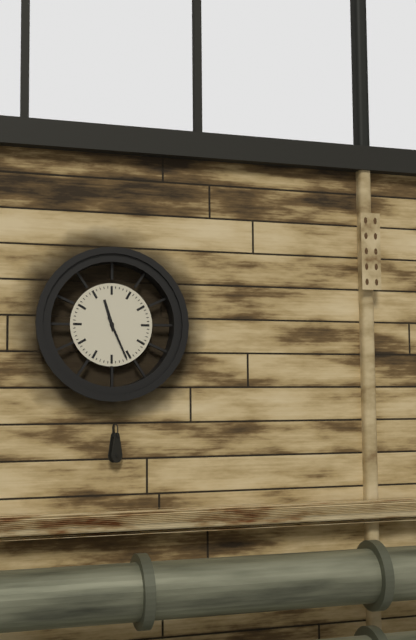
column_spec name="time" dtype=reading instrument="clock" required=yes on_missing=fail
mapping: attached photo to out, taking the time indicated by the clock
11:26
